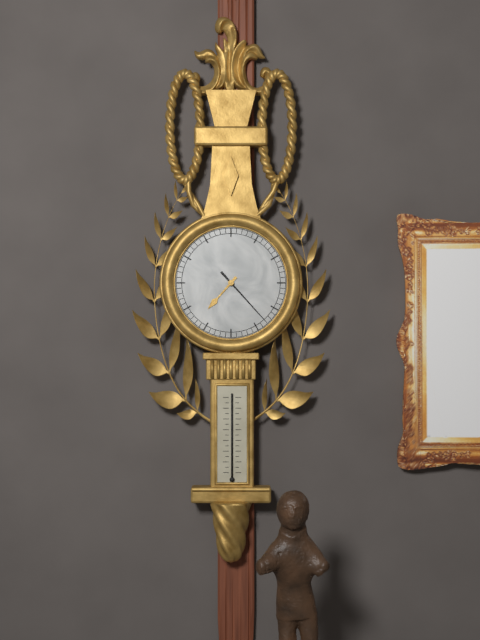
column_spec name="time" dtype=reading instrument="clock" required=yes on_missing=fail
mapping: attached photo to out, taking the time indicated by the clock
7:23
